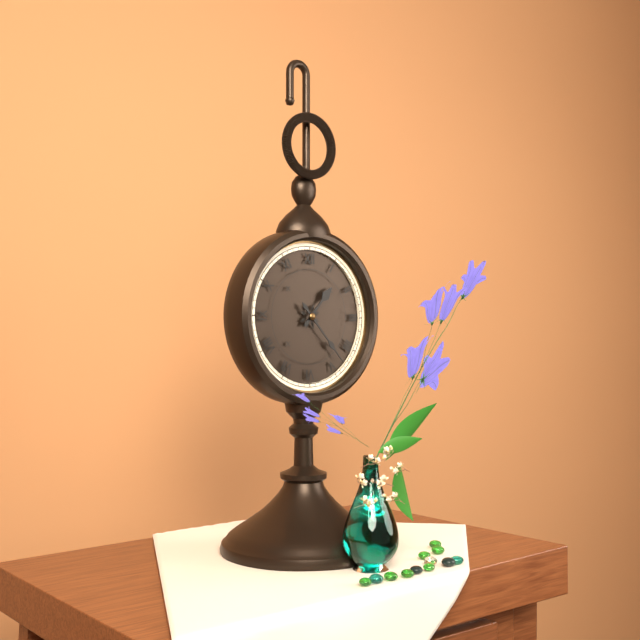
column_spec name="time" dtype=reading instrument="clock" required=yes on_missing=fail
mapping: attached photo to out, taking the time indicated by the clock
1:23
